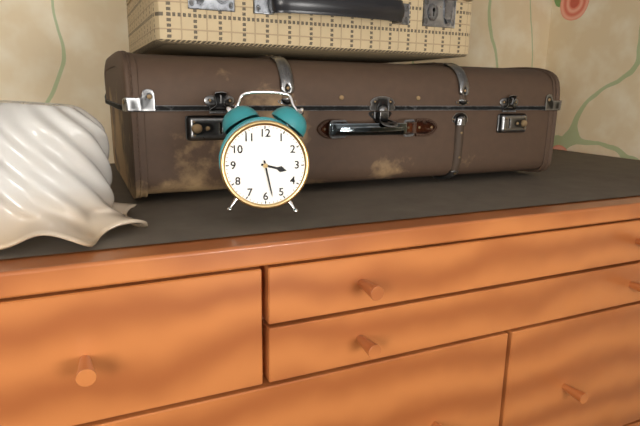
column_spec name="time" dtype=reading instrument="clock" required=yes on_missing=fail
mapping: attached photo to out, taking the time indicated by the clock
3:28
